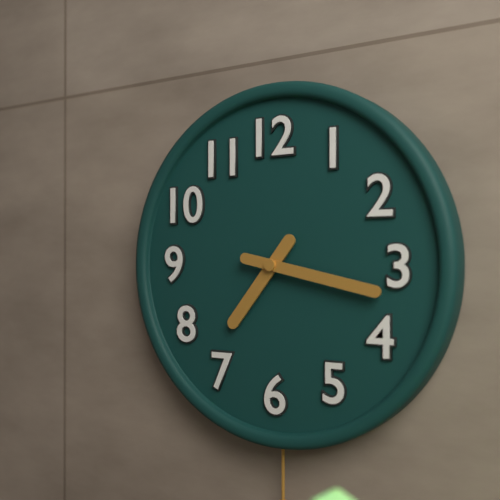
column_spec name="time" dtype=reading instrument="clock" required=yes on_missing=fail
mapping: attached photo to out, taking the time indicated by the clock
7:17
